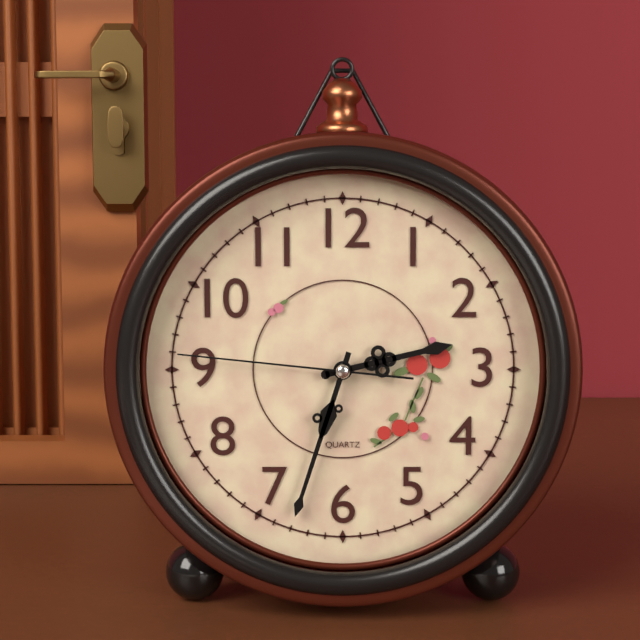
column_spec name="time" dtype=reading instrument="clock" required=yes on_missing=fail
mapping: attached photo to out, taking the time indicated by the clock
2:33:46
